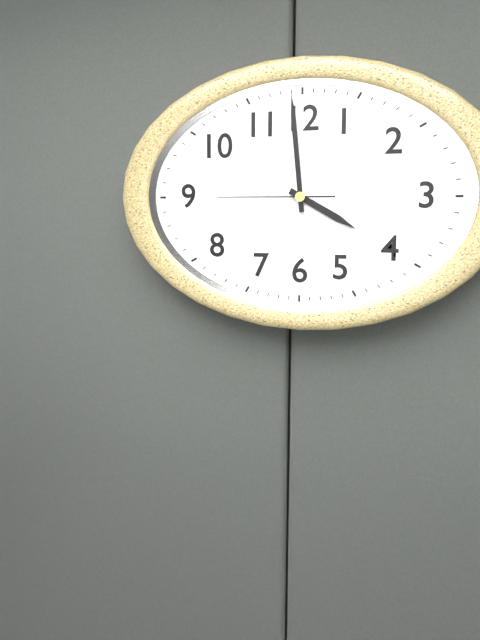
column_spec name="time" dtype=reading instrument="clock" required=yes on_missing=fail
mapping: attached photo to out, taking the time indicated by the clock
3:59:45
